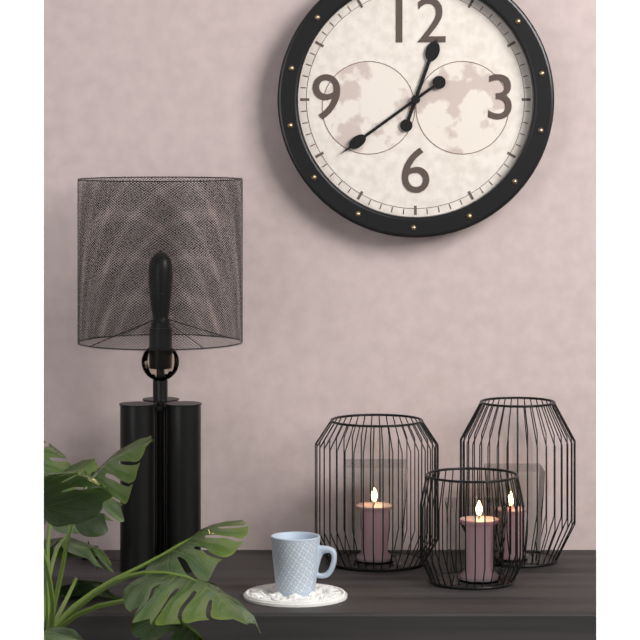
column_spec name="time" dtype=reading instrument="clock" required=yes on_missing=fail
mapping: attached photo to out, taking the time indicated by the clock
12:39
